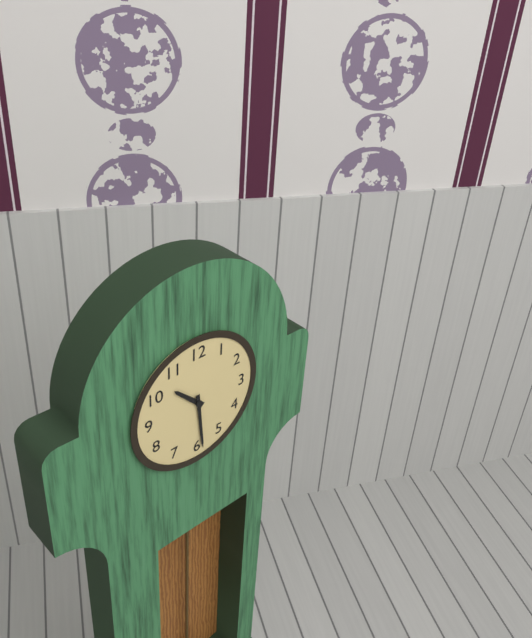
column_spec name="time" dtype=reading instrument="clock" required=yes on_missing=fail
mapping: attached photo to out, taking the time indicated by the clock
10:29
